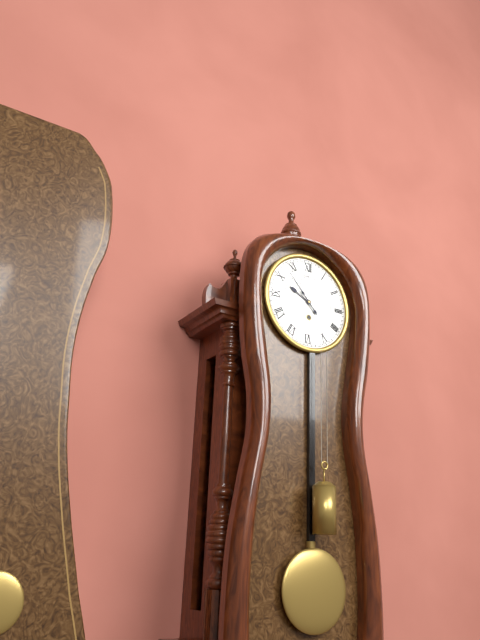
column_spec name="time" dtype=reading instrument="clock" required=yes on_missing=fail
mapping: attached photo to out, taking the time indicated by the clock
9:53
